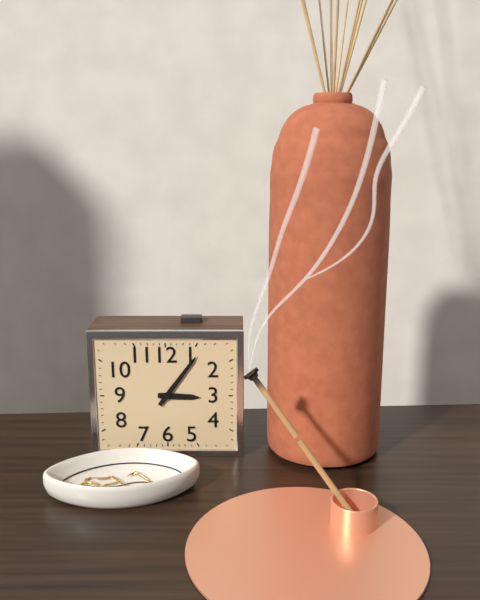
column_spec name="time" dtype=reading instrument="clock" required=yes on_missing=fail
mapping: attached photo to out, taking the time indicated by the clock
3:06
